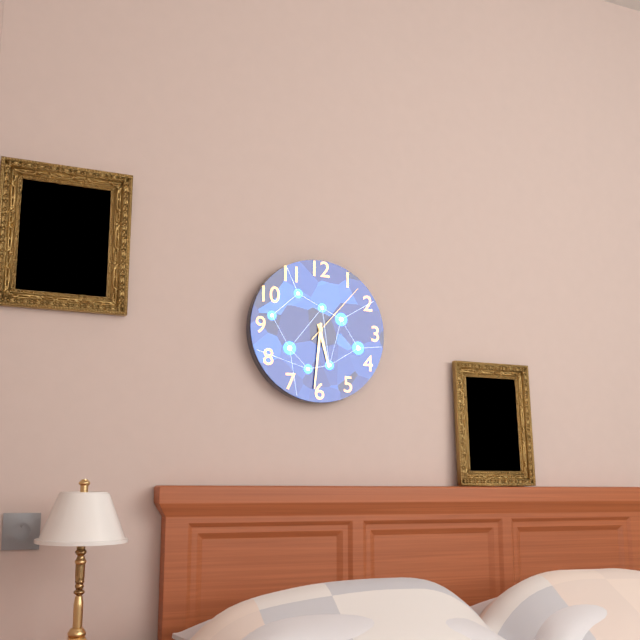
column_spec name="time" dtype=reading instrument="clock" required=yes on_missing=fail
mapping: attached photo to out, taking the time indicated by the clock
5:31:07
